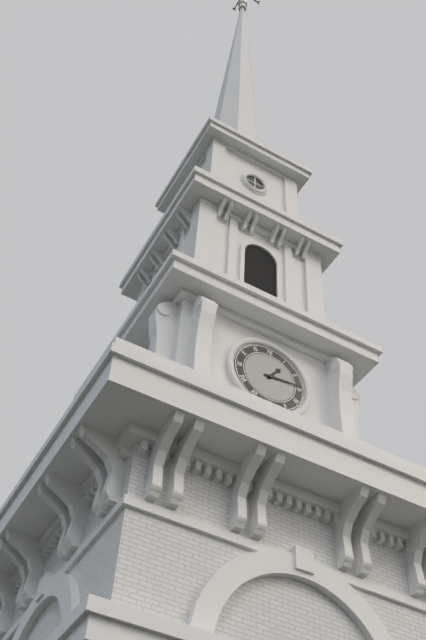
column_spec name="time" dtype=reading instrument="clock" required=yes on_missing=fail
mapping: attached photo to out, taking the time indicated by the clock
1:14
